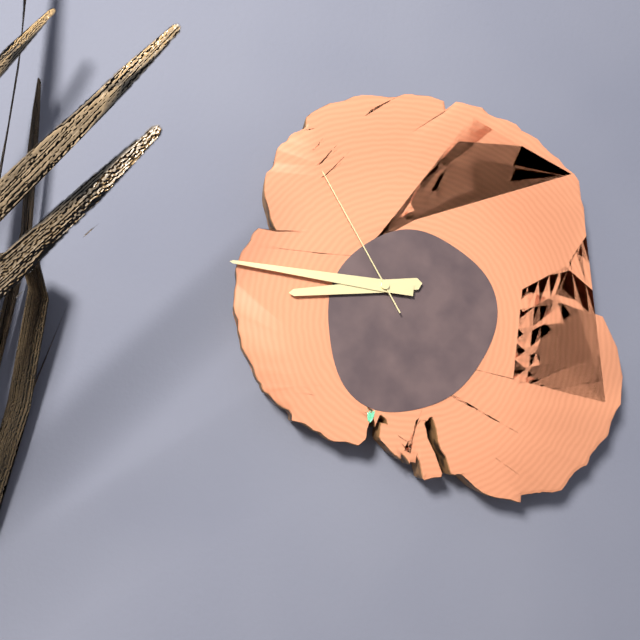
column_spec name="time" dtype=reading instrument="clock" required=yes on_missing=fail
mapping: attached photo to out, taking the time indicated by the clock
8:46:55
